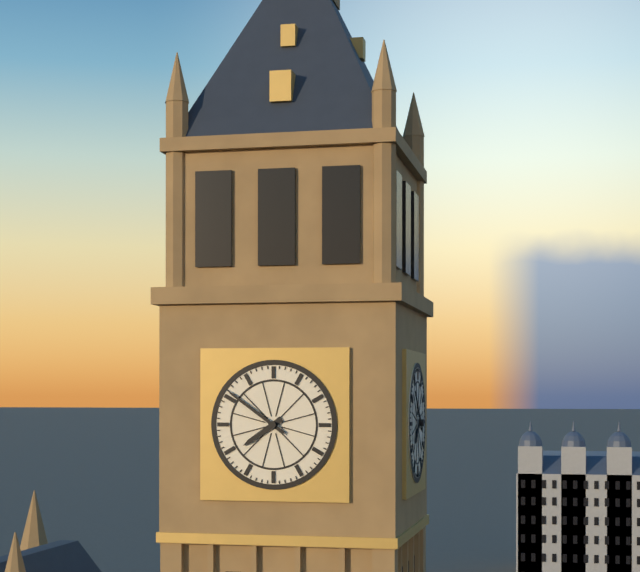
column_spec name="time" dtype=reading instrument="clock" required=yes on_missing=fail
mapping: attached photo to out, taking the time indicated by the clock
7:51
